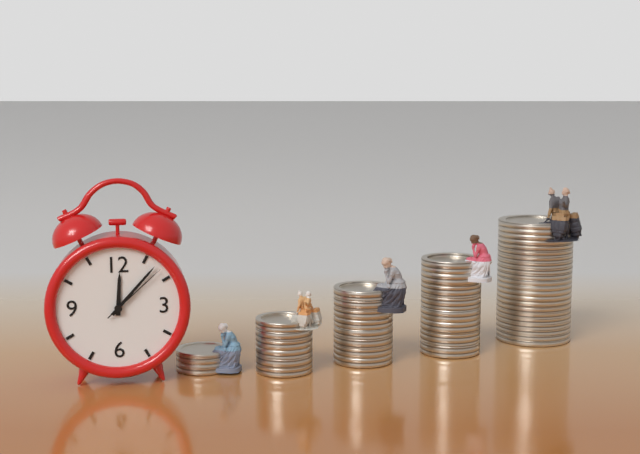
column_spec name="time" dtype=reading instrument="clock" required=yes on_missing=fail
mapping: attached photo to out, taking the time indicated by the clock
12:07:08
